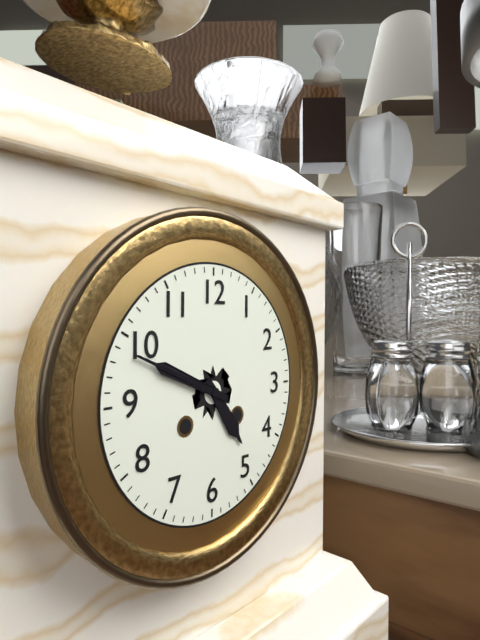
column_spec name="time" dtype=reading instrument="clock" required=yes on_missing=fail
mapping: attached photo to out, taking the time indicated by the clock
4:49
